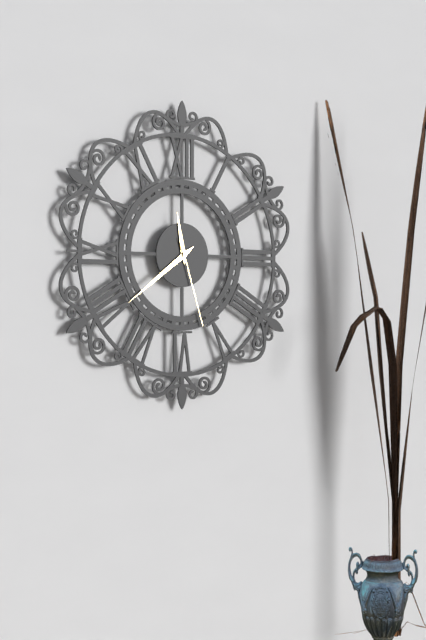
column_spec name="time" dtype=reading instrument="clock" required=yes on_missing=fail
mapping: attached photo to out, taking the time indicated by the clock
11:39:27
